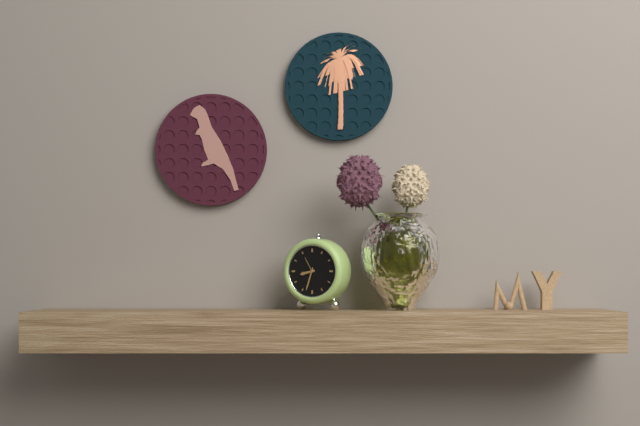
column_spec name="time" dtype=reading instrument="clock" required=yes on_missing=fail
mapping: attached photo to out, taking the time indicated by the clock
8:33
